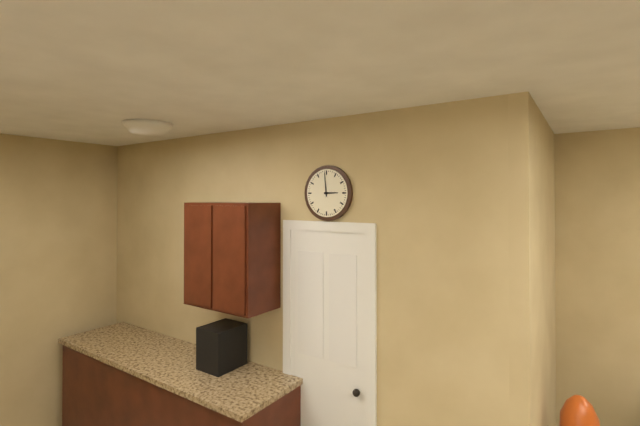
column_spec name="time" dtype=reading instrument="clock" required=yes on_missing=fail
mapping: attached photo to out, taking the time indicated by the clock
2:59
